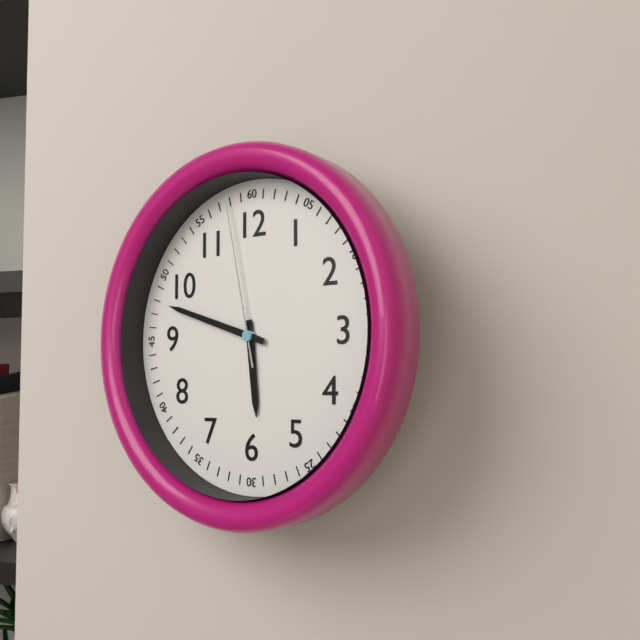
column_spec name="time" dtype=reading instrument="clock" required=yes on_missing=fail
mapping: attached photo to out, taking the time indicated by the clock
5:48:58
